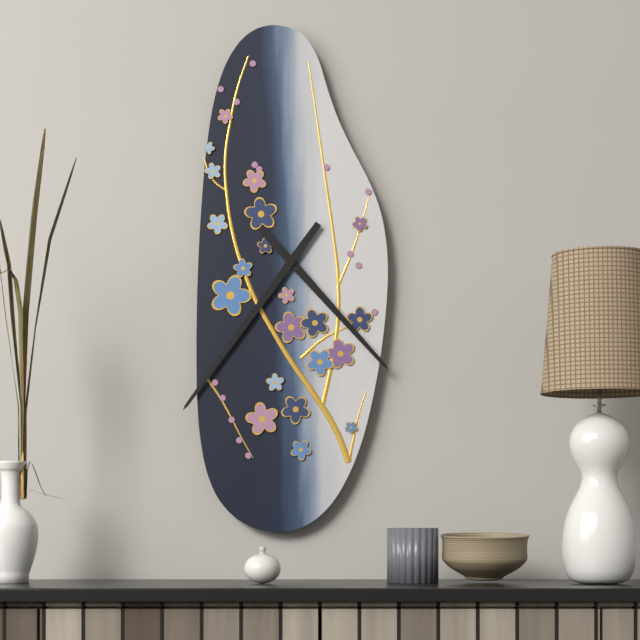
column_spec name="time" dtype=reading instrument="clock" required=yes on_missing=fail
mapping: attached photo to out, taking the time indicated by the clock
4:36
